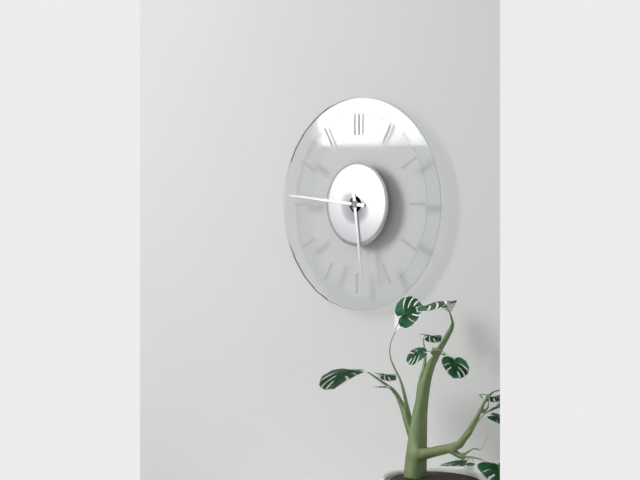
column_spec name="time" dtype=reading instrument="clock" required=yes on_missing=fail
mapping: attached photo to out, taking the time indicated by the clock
5:46
